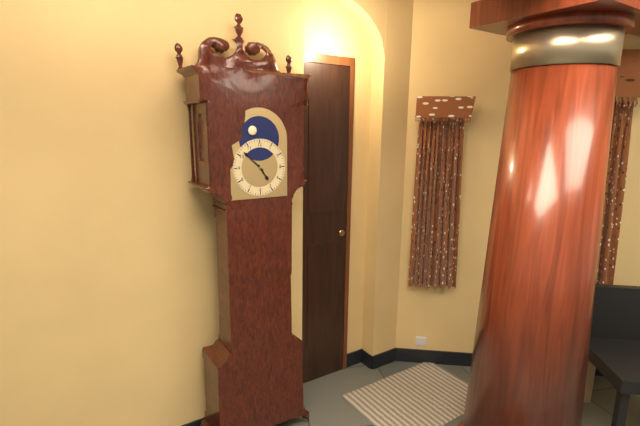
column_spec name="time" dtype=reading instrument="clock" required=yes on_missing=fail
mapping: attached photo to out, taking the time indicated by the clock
4:52
